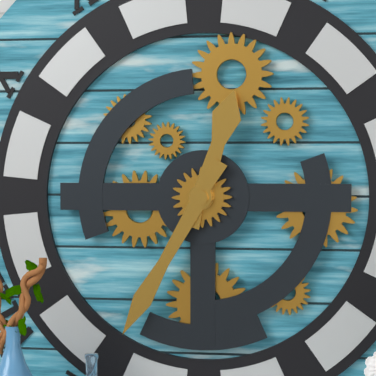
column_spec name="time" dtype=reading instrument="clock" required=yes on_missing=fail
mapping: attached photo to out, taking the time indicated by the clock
12:35
